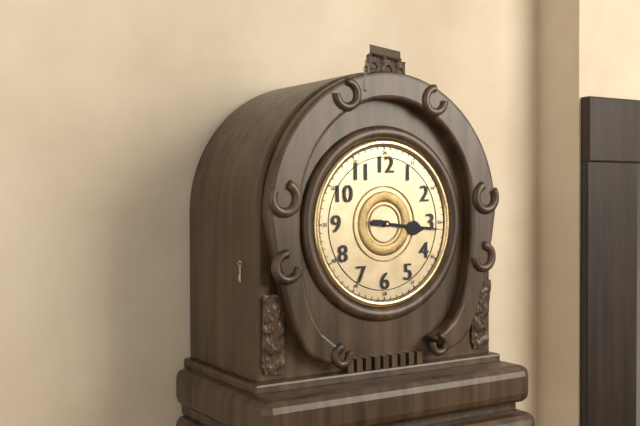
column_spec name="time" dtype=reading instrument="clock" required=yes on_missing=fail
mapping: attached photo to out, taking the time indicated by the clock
3:16
